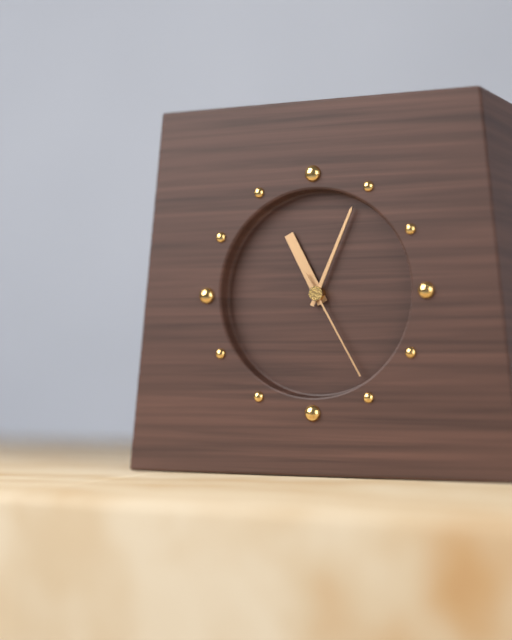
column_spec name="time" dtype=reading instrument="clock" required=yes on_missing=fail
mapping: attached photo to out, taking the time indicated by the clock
11:04:25
